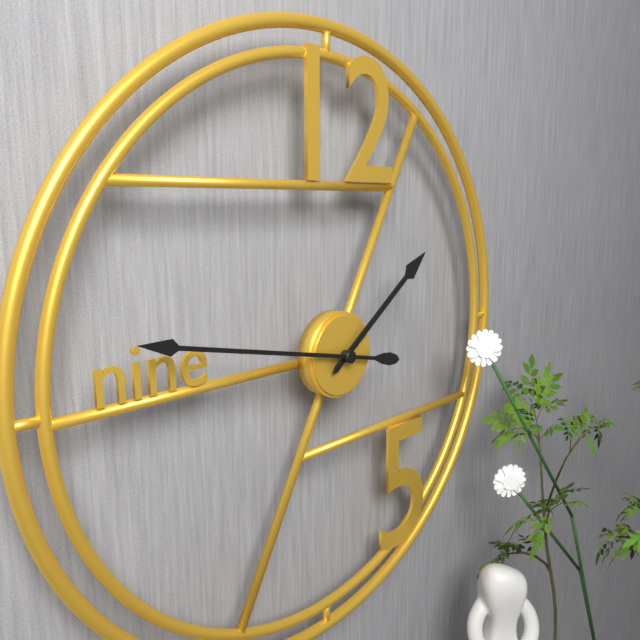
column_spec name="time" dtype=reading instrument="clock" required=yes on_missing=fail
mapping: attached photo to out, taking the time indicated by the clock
1:47
